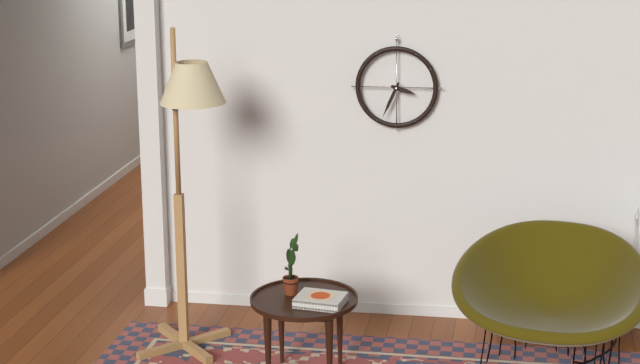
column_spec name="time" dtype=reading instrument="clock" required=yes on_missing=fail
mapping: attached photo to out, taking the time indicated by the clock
3:34
